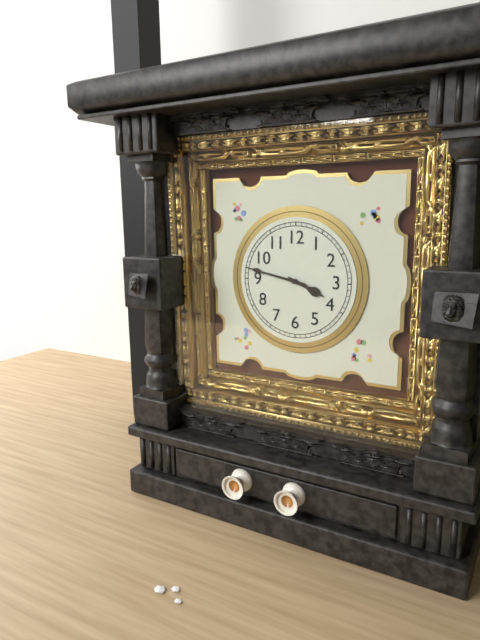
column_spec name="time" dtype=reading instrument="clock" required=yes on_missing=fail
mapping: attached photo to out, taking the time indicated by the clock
3:47
